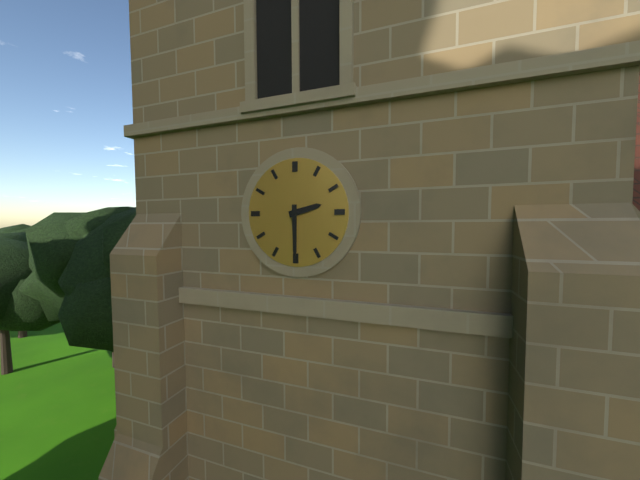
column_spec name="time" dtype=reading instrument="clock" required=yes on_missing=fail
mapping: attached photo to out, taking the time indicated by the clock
2:30
